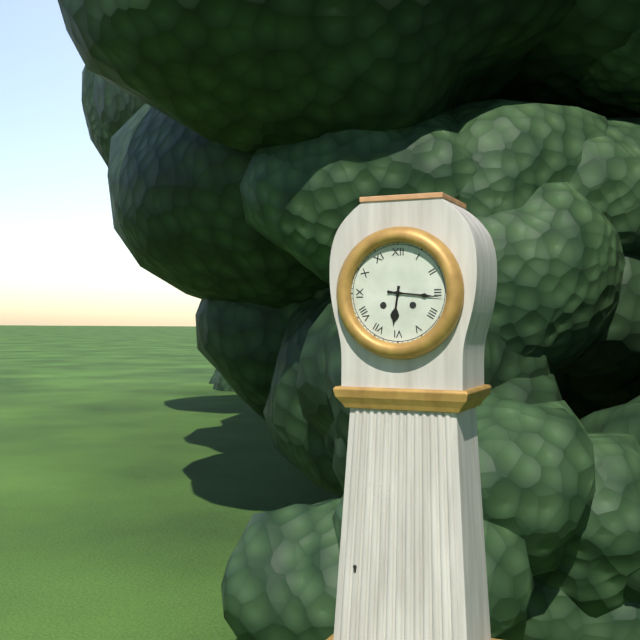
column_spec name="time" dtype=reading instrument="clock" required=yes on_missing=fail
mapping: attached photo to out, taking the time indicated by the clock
6:16
